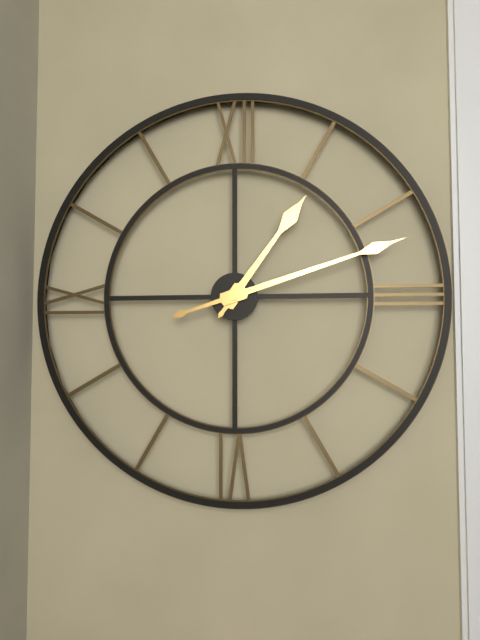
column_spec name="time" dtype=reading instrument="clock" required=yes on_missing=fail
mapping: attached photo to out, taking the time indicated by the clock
1:12
